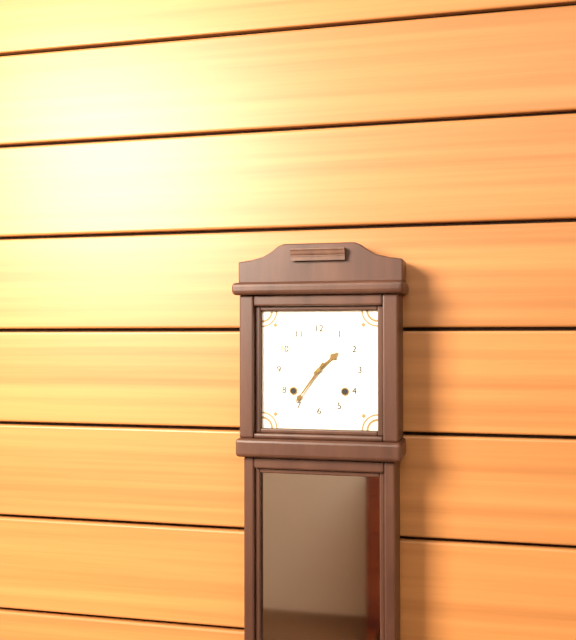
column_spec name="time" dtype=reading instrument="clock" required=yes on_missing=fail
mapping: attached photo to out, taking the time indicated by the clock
1:36
